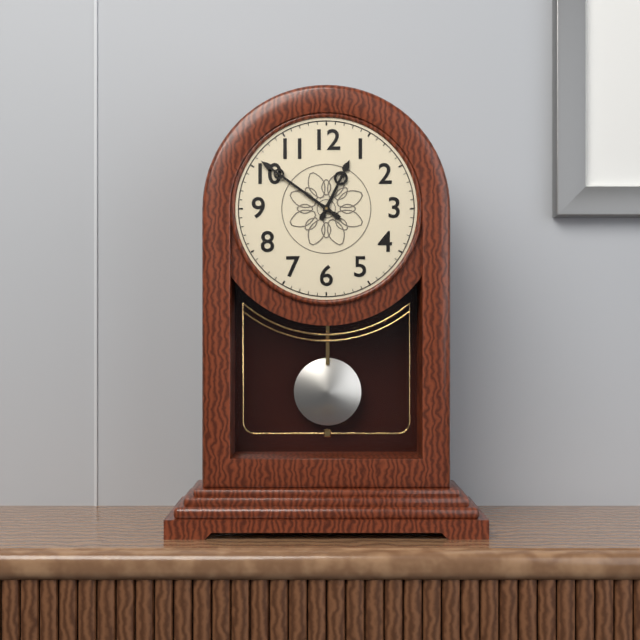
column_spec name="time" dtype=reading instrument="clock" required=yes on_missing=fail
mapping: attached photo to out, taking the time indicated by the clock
12:51
